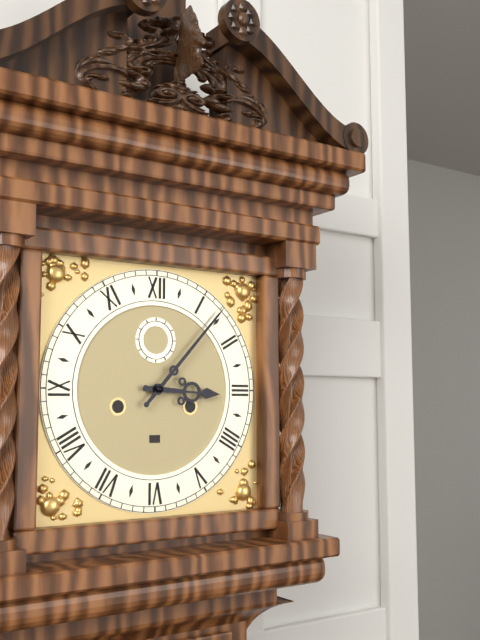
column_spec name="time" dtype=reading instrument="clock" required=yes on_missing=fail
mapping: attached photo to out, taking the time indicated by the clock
3:07
